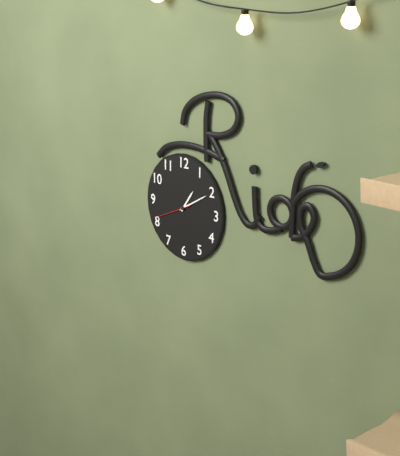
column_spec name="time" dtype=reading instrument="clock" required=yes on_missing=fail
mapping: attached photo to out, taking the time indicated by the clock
1:10
